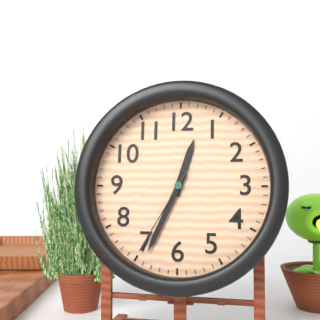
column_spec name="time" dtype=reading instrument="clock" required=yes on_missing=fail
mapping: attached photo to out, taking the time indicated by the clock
12:34:35
